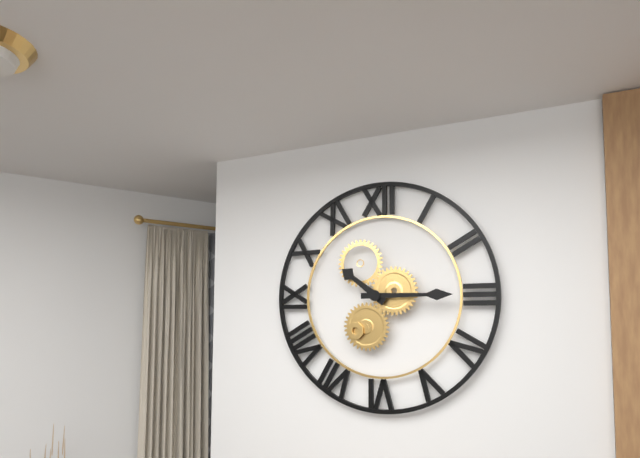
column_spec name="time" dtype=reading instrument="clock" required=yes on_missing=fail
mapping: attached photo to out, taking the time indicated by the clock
10:15
